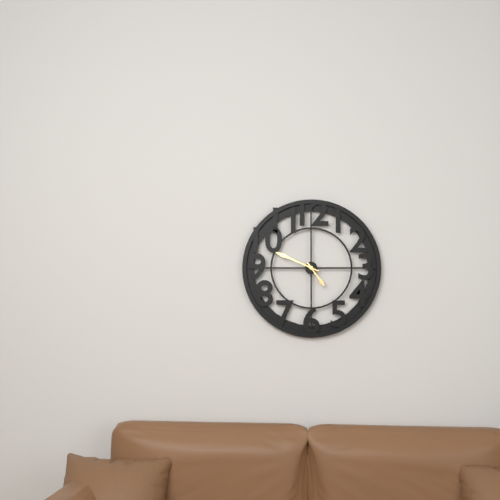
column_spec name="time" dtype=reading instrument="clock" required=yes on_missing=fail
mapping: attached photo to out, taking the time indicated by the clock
4:49
